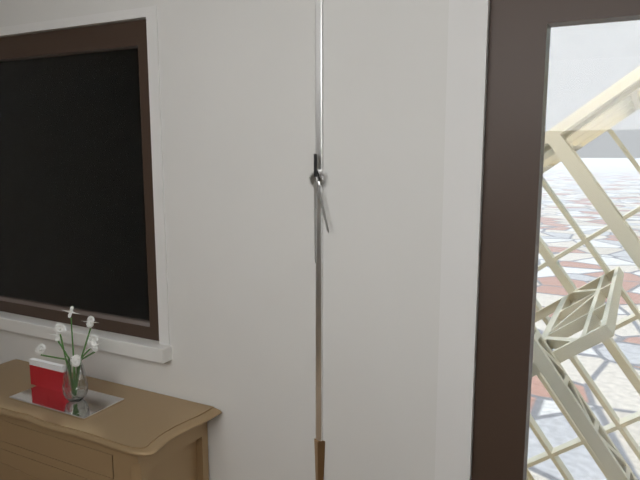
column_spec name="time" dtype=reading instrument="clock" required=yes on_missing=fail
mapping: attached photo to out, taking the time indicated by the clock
5:30
